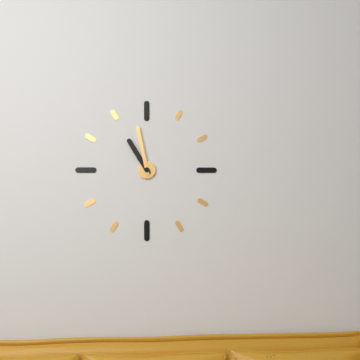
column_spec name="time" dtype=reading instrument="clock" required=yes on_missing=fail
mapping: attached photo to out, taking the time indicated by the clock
10:58
